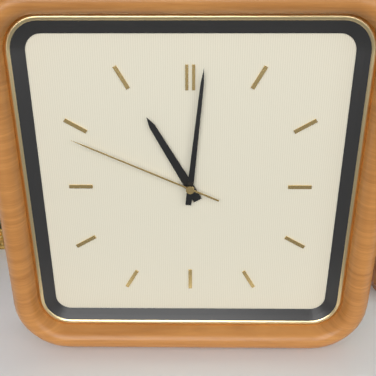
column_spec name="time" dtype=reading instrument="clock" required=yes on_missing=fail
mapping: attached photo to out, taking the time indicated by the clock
11:01:49
